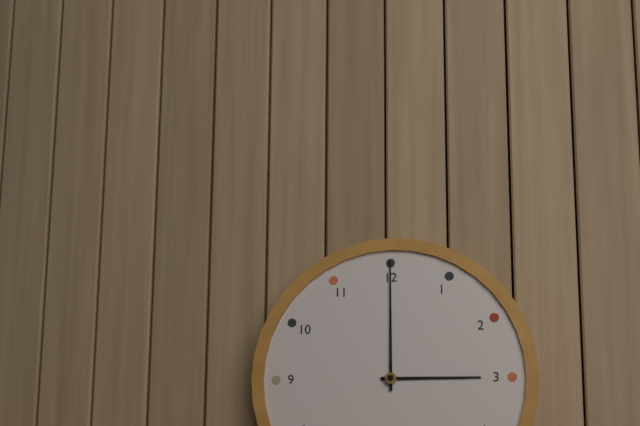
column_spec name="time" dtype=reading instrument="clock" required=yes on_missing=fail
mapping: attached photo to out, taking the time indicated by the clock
3:00
